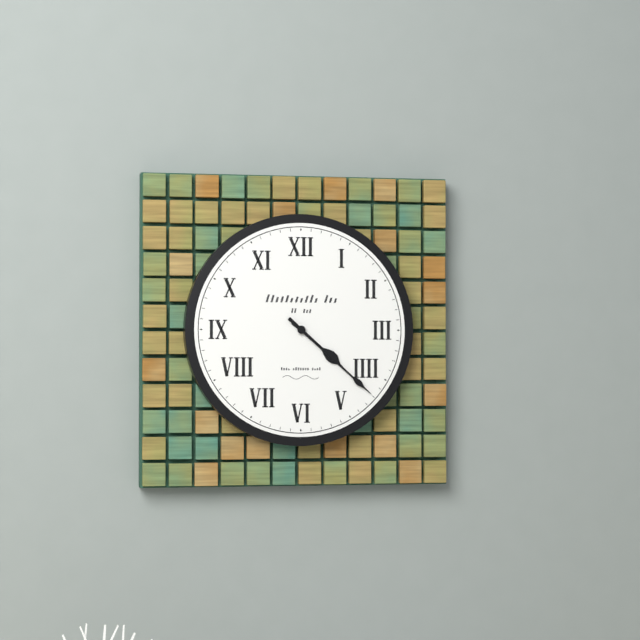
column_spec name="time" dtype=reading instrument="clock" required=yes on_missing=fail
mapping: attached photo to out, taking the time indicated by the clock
4:22
